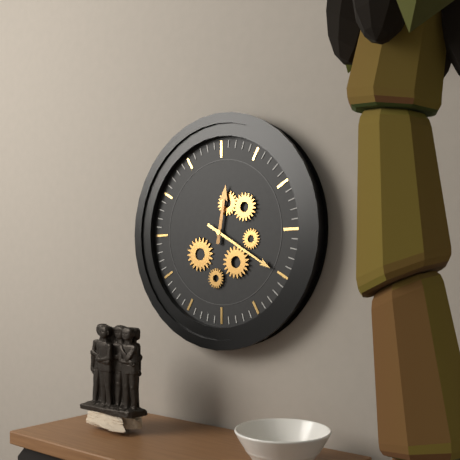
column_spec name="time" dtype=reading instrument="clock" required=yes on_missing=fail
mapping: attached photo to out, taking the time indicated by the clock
12:20
